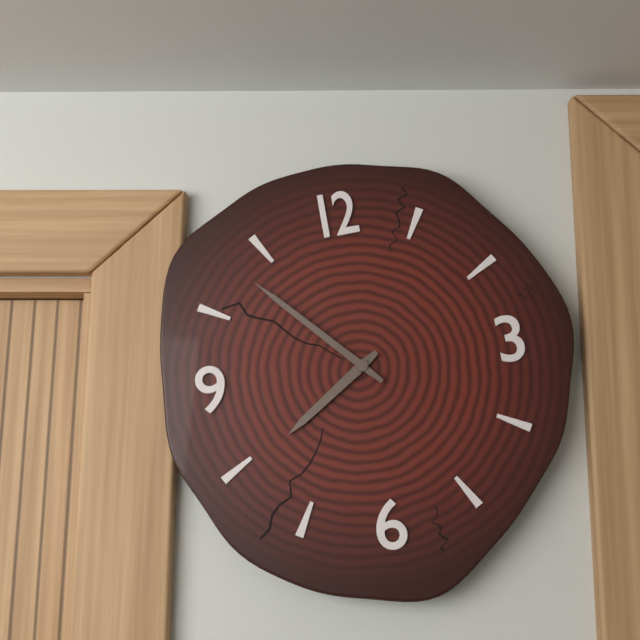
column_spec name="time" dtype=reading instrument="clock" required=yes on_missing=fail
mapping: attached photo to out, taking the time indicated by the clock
7:53
